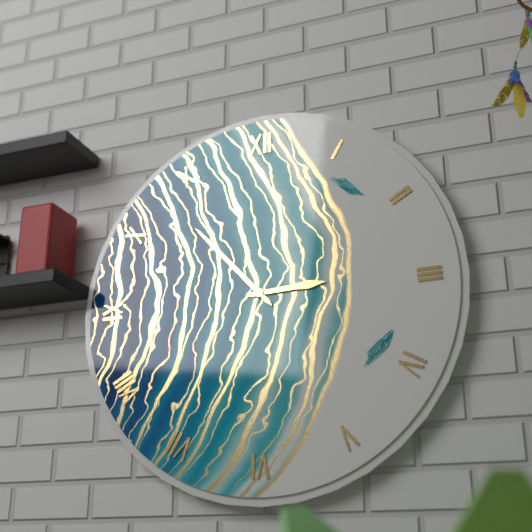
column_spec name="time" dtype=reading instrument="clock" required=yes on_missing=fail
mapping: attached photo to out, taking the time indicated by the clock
2:53
